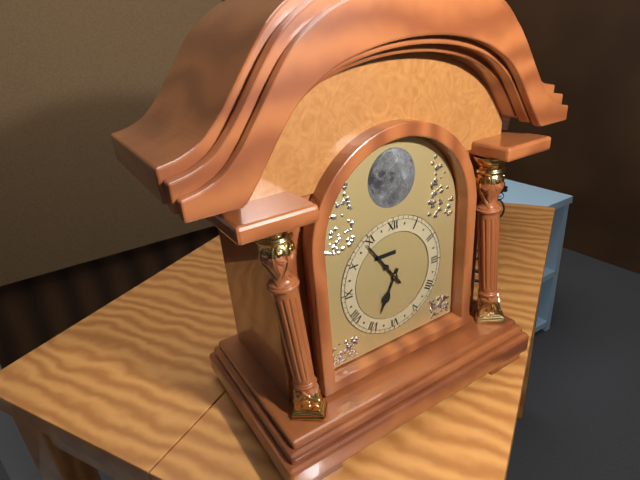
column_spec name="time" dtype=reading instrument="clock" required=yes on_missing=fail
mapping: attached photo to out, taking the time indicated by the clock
6:54
